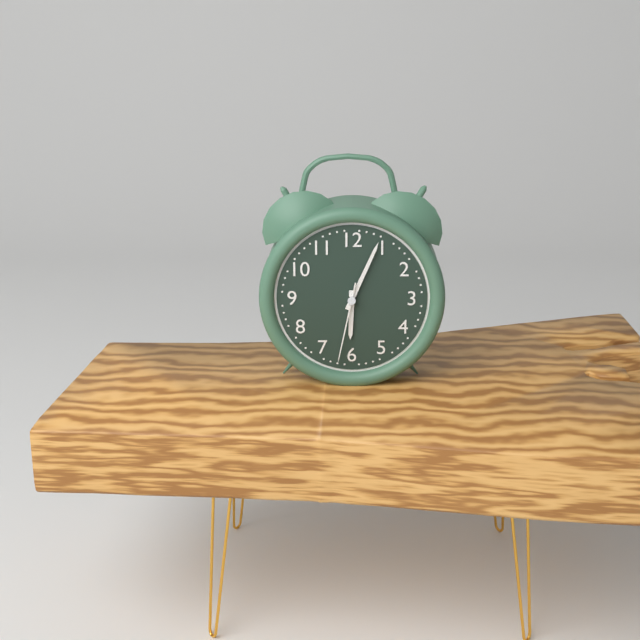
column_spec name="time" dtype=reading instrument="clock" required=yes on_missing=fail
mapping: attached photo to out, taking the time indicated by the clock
6:04:32
